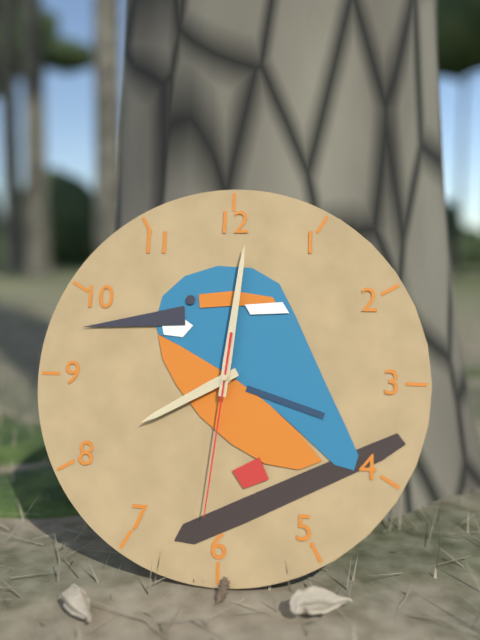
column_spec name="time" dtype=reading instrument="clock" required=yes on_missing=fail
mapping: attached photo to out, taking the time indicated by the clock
8:01:31
